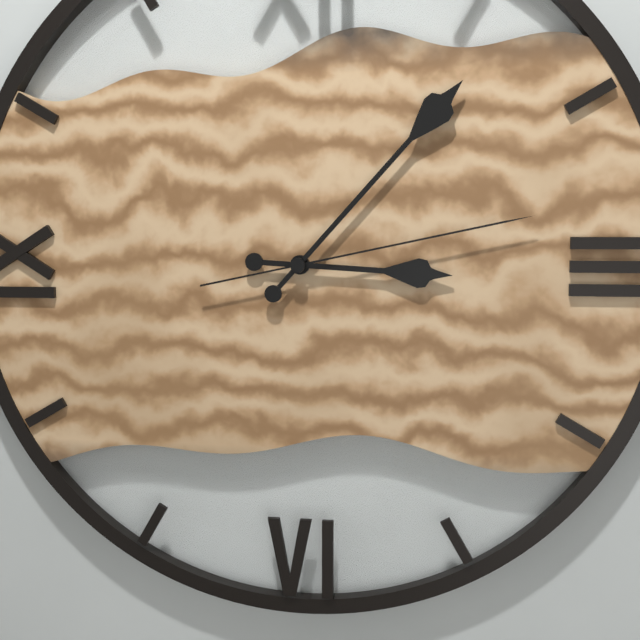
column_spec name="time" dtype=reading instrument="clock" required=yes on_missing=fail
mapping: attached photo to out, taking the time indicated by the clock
3:07:13
